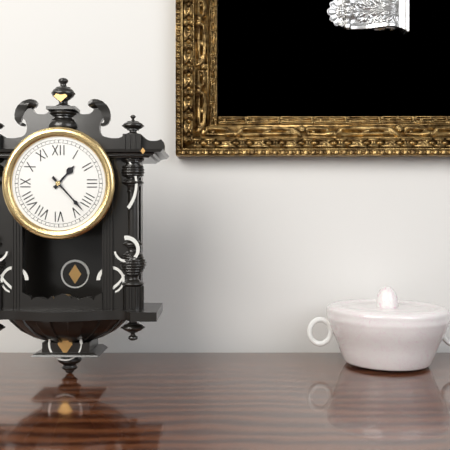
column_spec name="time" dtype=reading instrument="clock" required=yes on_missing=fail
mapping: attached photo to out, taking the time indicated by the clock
1:23
